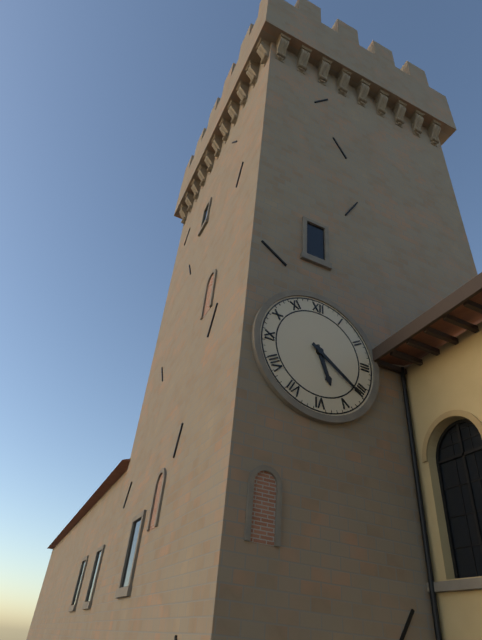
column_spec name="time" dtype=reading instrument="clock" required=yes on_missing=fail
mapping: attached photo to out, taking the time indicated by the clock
5:21
